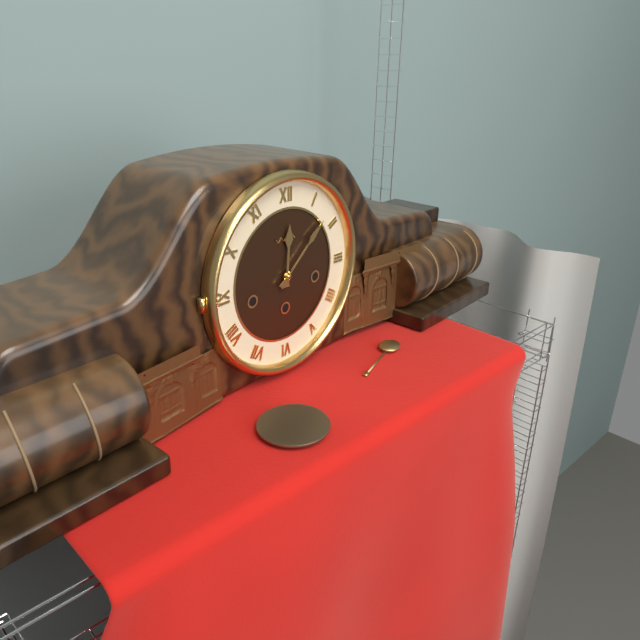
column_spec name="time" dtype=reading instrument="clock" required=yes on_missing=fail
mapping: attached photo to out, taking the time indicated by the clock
12:08
